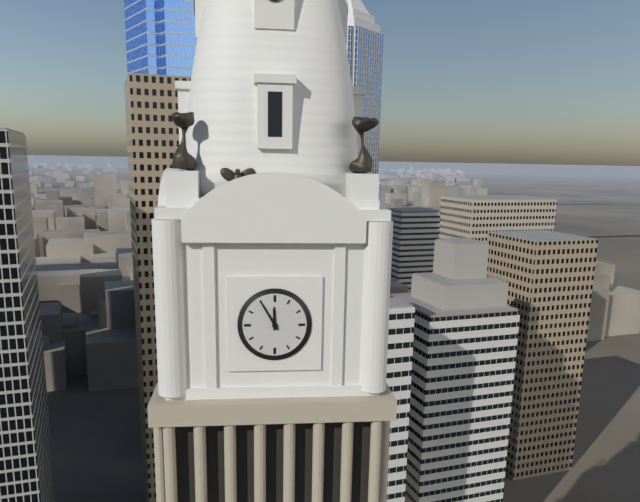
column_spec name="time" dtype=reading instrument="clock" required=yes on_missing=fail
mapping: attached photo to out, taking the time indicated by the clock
11:55
